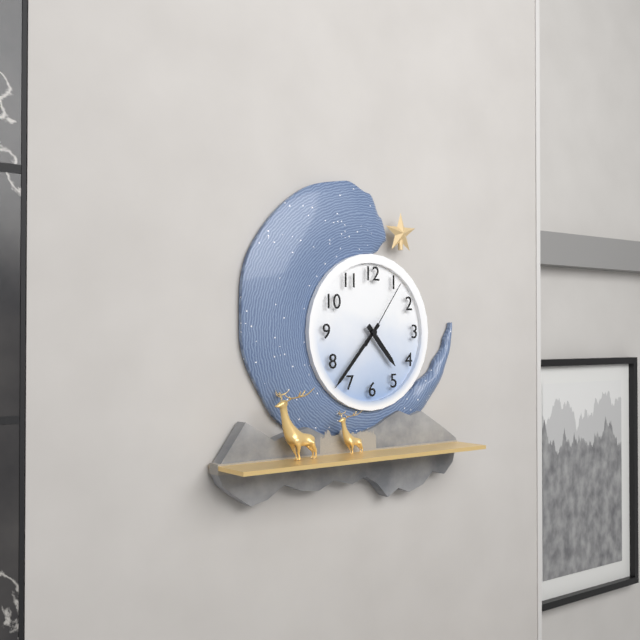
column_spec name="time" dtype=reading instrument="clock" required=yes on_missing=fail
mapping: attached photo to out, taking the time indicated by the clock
4:37:06
